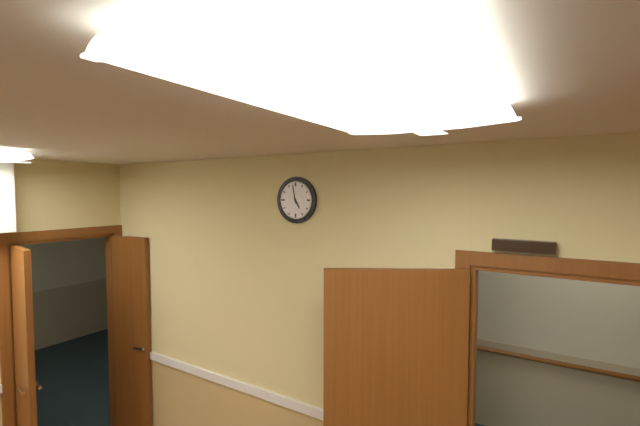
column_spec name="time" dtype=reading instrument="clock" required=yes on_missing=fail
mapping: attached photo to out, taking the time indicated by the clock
4:58
